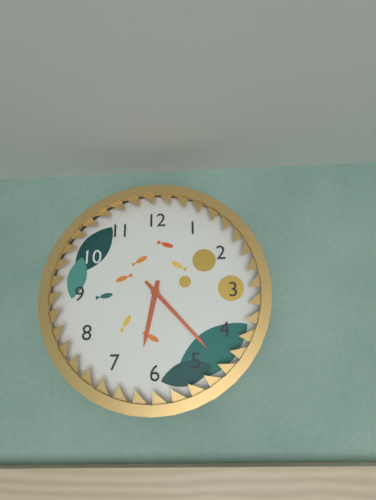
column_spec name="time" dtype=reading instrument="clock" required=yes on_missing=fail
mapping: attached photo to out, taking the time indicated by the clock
6:23
